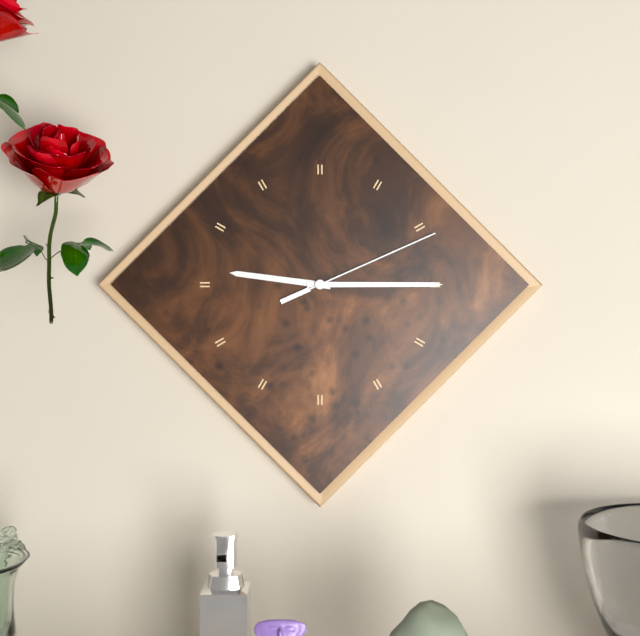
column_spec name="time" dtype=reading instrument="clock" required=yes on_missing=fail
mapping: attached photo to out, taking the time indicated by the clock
9:15:11
